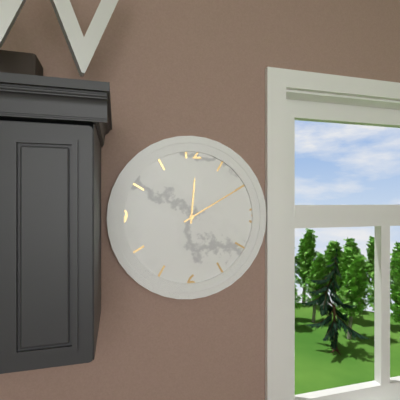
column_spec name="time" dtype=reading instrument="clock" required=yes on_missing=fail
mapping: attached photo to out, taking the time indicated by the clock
12:10
